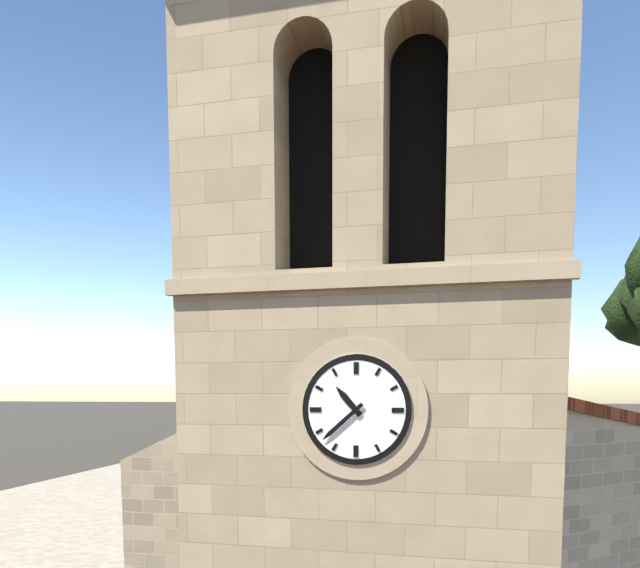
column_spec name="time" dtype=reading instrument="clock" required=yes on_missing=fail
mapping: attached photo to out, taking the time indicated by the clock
10:38
